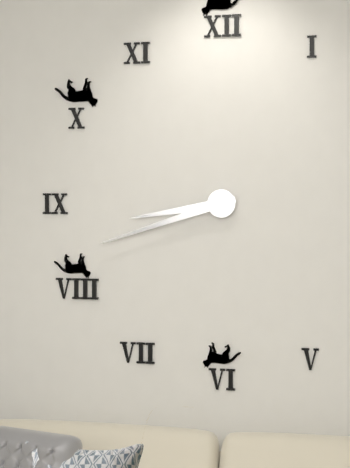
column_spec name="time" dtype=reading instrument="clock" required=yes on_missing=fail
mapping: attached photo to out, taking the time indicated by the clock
8:42
